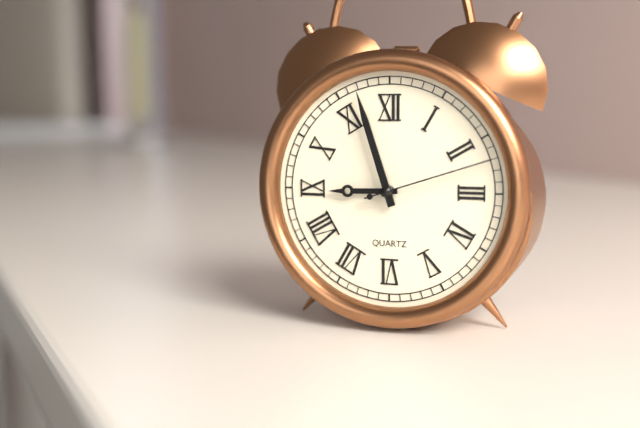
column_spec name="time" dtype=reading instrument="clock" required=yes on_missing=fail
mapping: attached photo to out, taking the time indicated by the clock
8:57:12
